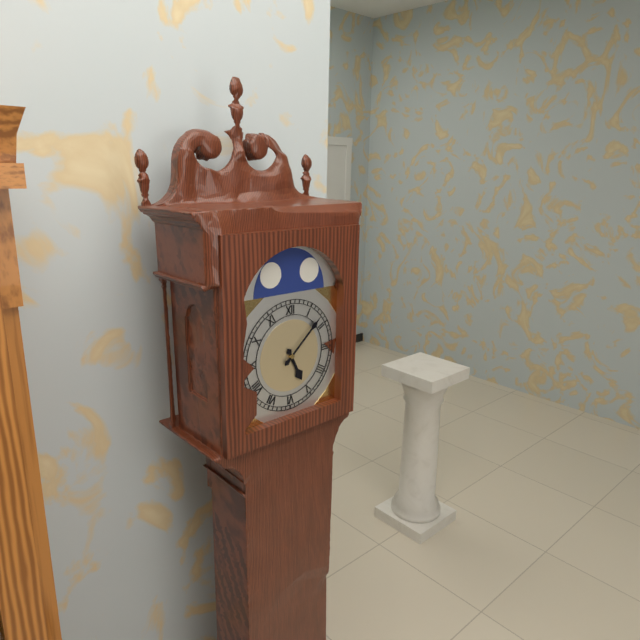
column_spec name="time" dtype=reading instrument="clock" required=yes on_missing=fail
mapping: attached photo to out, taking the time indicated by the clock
5:08
